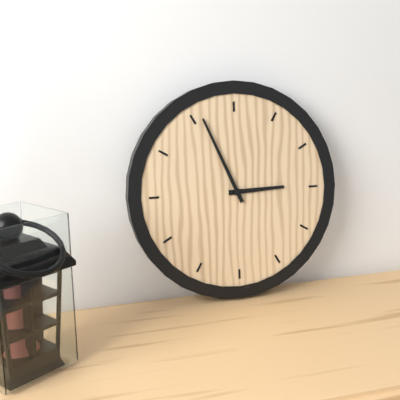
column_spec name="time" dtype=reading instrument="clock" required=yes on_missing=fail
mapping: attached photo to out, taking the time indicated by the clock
2:56
